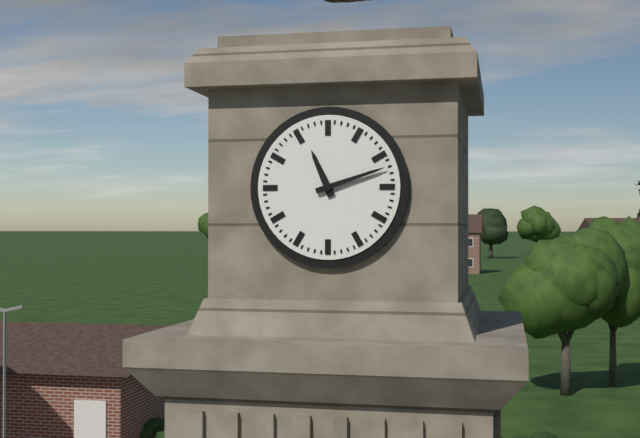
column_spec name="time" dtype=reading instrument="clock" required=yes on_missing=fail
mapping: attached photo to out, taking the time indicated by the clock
11:12
